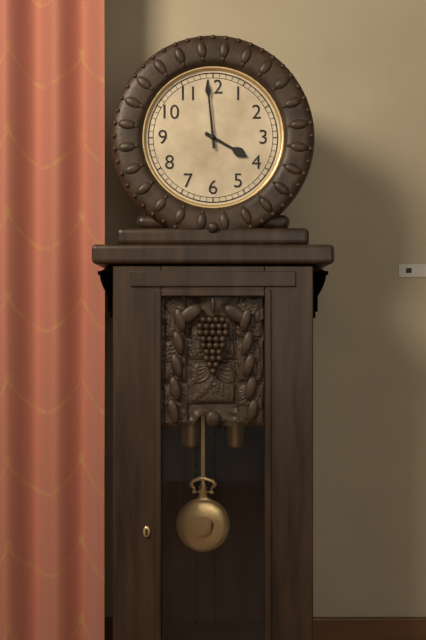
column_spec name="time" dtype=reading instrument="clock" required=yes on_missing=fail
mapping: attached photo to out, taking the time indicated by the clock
3:59
